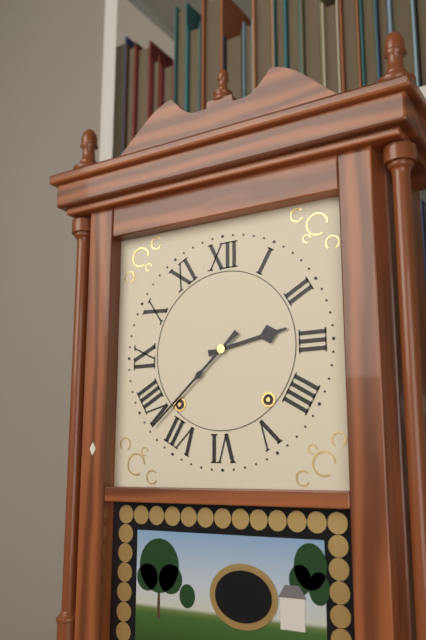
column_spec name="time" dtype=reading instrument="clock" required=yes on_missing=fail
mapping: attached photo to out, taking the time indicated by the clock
2:38
